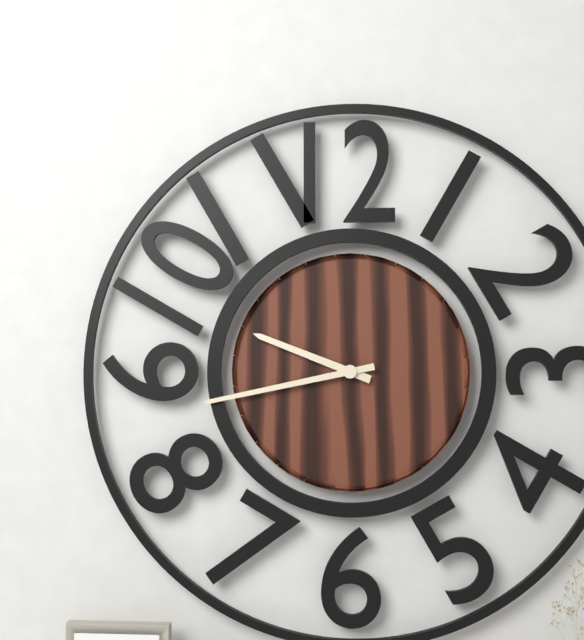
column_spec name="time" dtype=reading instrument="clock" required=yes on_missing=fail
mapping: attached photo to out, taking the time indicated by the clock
9:43
